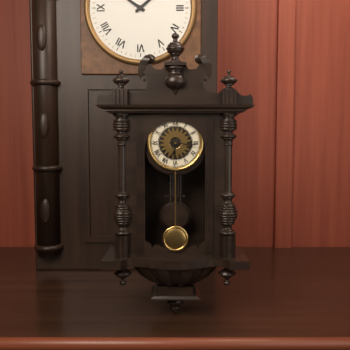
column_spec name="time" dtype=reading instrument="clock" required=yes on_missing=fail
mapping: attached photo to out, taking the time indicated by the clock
6:16
